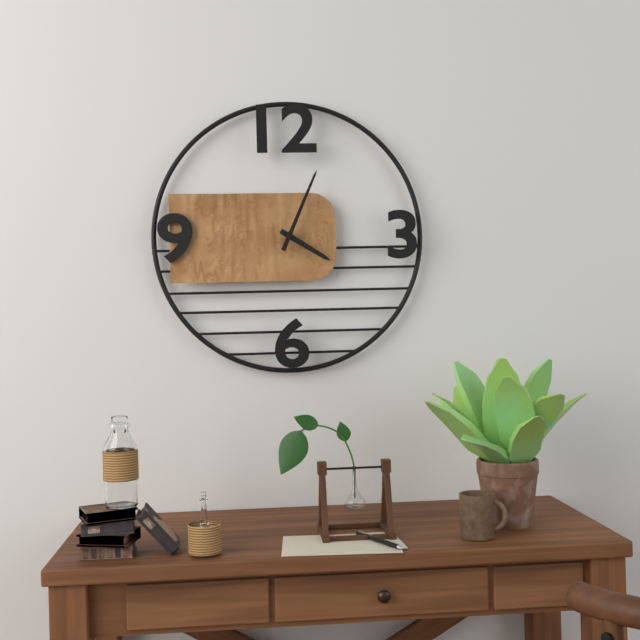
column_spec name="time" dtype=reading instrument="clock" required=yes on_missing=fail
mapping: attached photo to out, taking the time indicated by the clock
4:04
